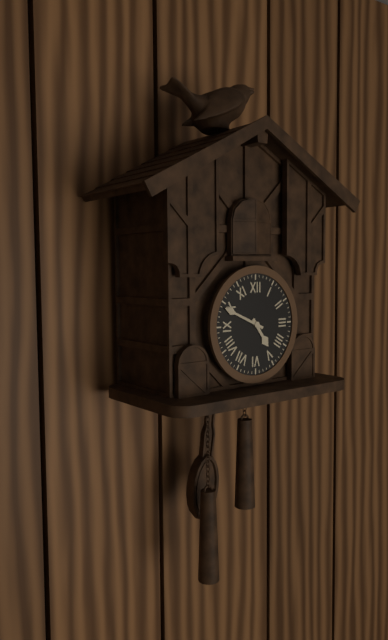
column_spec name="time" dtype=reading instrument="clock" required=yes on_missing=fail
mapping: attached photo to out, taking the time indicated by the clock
4:49
